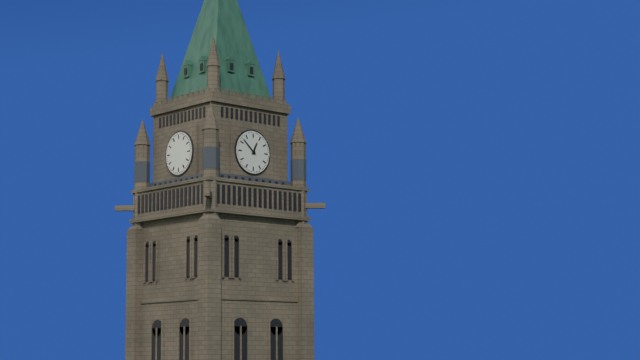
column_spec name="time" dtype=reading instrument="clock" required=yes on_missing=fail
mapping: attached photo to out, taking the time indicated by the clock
12:52
